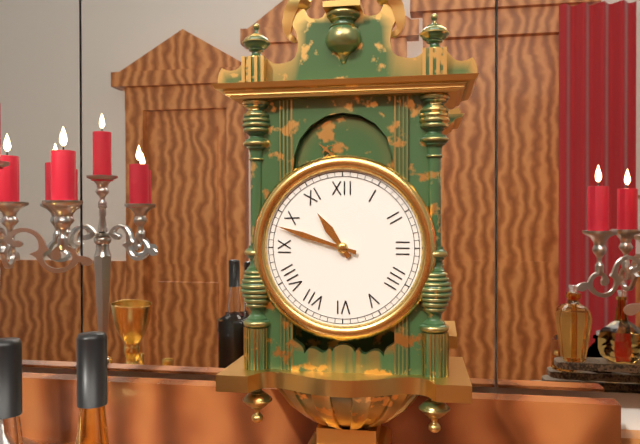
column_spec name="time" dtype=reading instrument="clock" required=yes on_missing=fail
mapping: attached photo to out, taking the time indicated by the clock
10:48
